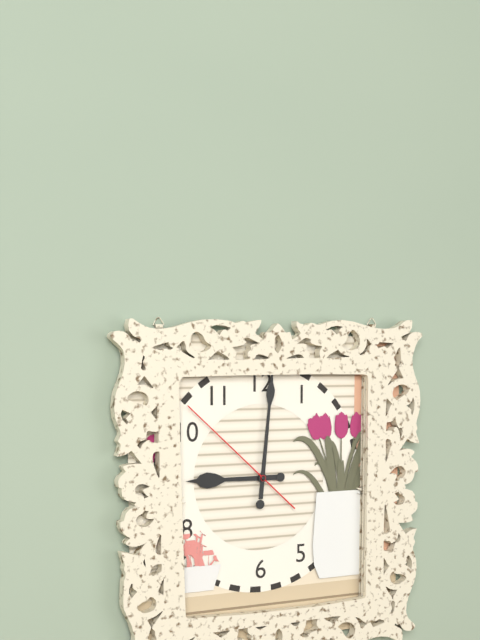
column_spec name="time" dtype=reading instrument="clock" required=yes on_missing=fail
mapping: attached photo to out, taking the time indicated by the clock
9:01:52
